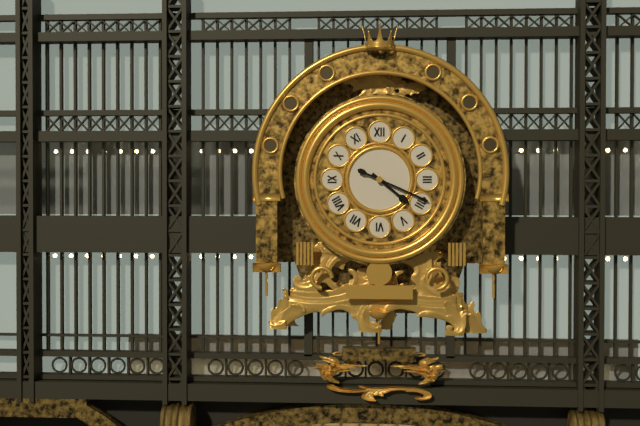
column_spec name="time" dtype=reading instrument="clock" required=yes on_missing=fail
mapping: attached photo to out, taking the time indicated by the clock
4:19
